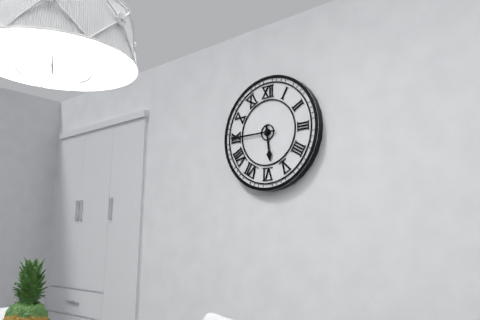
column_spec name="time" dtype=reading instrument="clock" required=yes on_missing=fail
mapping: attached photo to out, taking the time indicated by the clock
5:45
